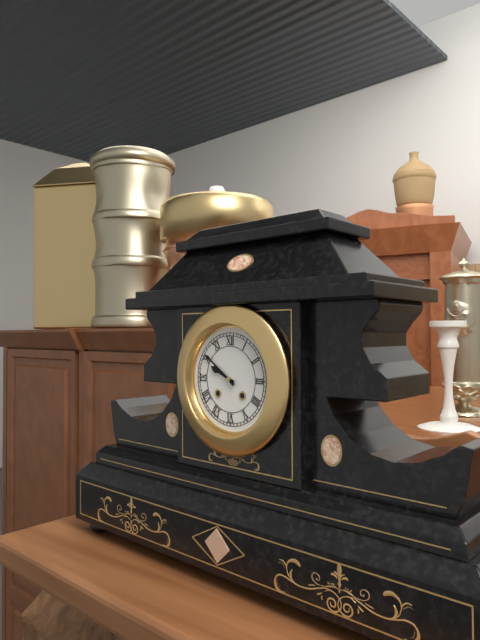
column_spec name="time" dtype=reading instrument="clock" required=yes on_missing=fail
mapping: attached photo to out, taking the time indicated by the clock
9:51
